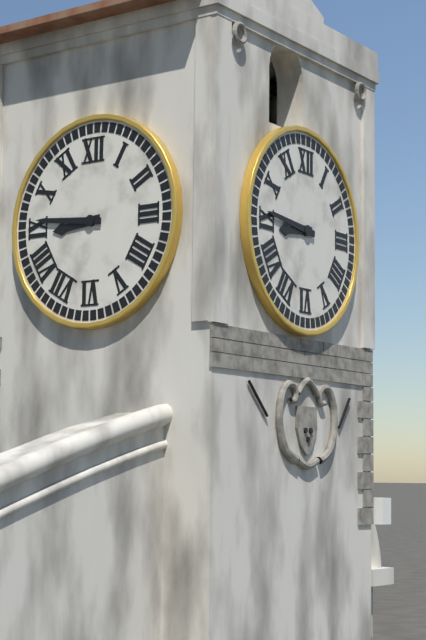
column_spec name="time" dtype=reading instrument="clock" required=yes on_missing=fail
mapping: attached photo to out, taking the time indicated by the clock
8:46
